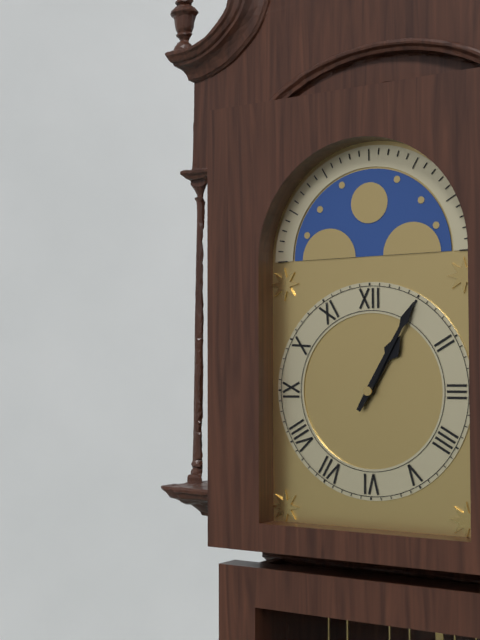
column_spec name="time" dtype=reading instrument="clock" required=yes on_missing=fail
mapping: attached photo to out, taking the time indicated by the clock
1:05
